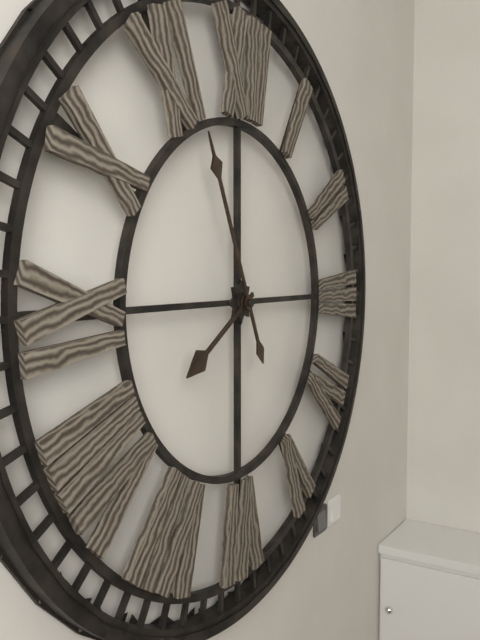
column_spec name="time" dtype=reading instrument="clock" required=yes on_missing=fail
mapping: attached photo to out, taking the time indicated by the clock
7:56
